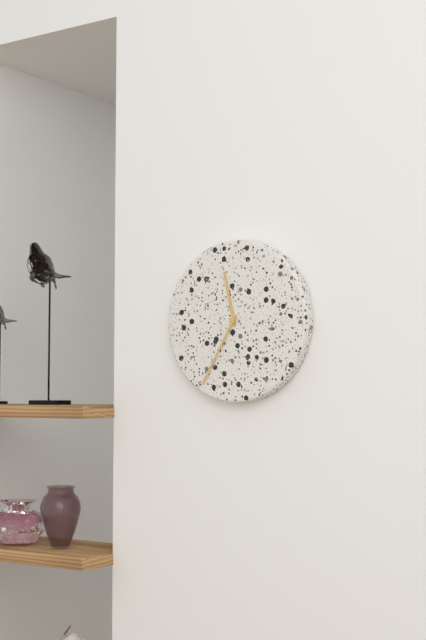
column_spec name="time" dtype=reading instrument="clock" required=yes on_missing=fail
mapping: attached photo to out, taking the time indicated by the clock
11:35
